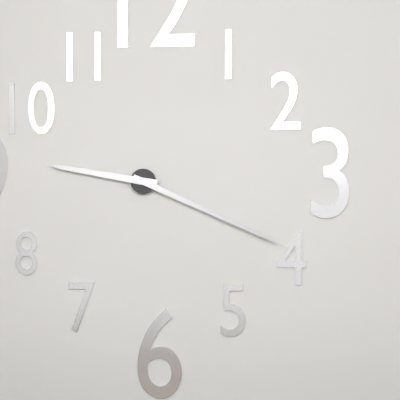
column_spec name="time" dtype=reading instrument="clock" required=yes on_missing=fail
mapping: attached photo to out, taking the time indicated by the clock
9:19
